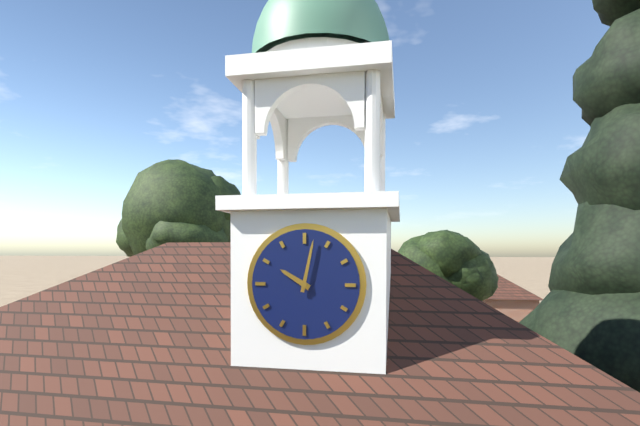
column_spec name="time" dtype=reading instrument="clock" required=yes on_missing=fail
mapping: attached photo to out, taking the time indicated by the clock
10:02
